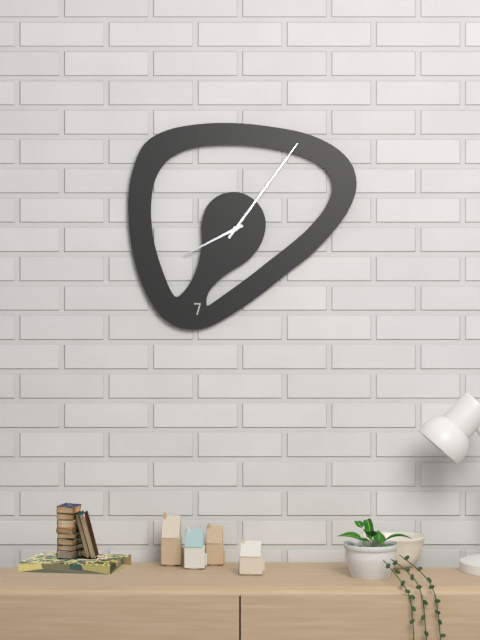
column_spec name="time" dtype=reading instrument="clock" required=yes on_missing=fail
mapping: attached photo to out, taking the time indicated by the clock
8:06
